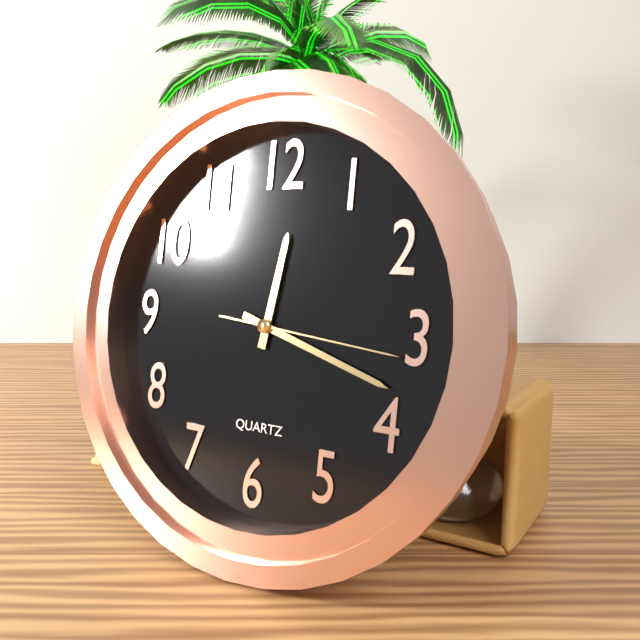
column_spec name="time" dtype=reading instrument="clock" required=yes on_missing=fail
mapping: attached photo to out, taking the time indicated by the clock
12:18:16
